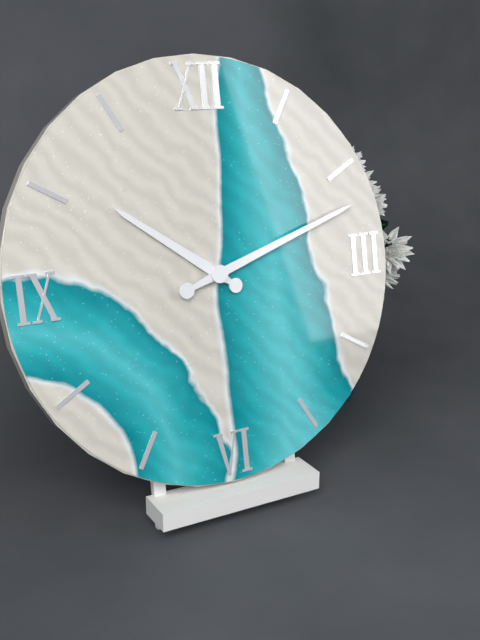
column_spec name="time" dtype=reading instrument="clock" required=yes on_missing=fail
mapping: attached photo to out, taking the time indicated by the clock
10:12
